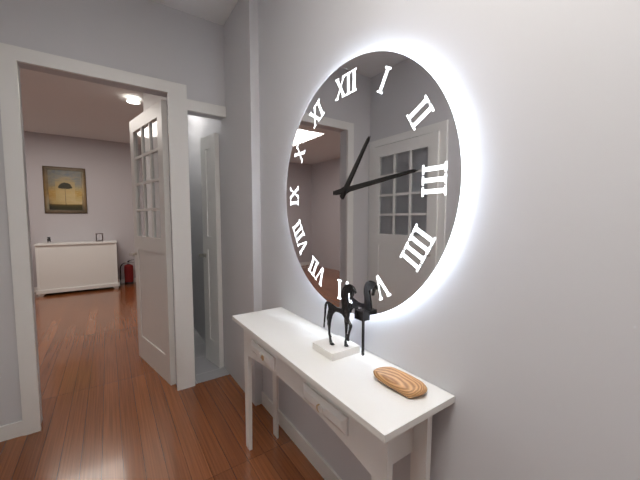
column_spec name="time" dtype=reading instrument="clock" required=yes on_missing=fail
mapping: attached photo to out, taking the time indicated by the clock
1:14
